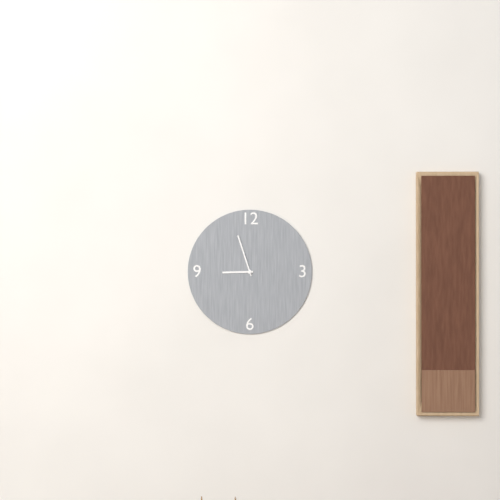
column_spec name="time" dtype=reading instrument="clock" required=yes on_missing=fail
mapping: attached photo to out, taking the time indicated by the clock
8:57
